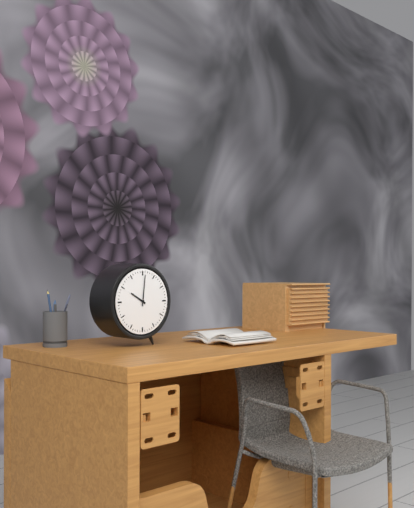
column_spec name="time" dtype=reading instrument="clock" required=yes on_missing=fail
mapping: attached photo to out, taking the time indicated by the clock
10:01
